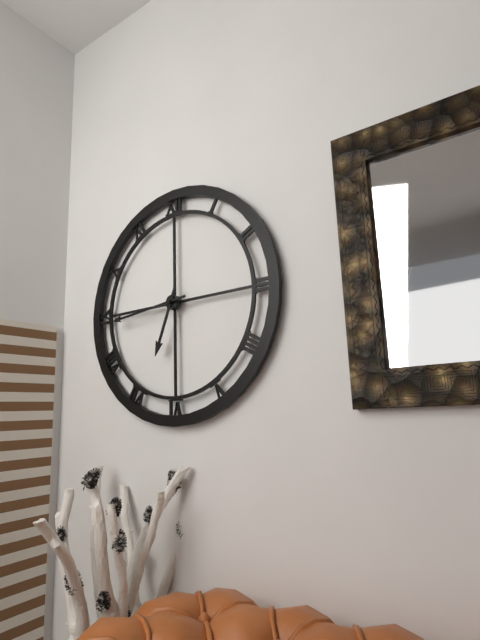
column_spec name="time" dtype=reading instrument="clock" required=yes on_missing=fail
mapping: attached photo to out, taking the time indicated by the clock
6:44
